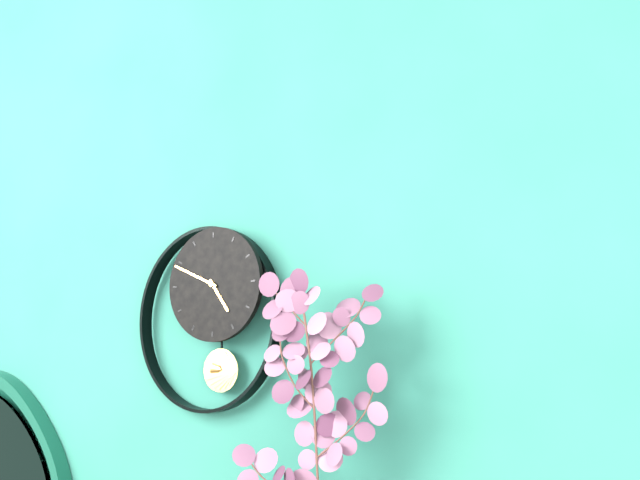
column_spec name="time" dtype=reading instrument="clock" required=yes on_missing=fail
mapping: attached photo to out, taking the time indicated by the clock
4:49
